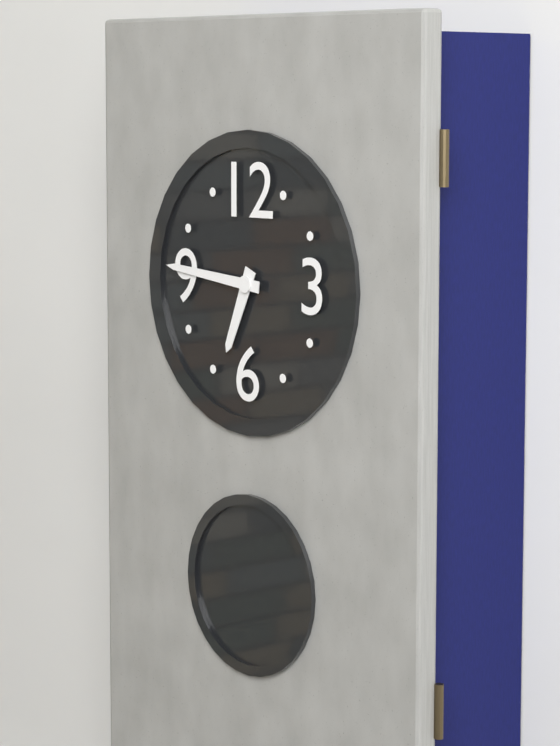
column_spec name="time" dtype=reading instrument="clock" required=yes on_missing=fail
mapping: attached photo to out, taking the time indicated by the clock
6:46
